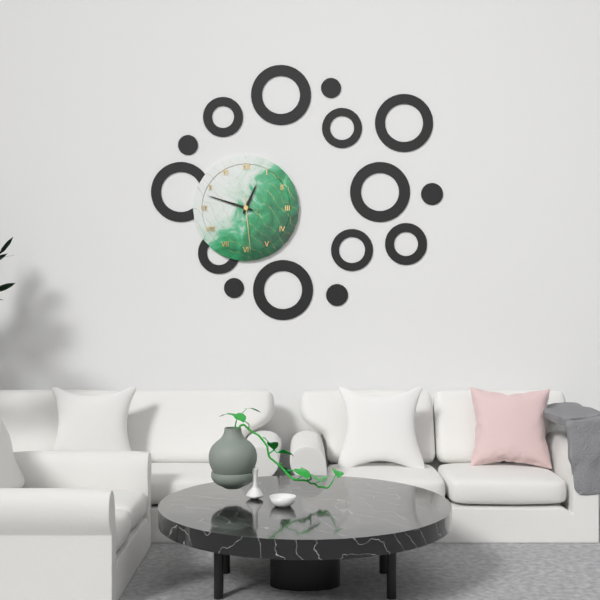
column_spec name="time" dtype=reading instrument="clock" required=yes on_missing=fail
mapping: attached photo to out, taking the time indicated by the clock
12:48:29
